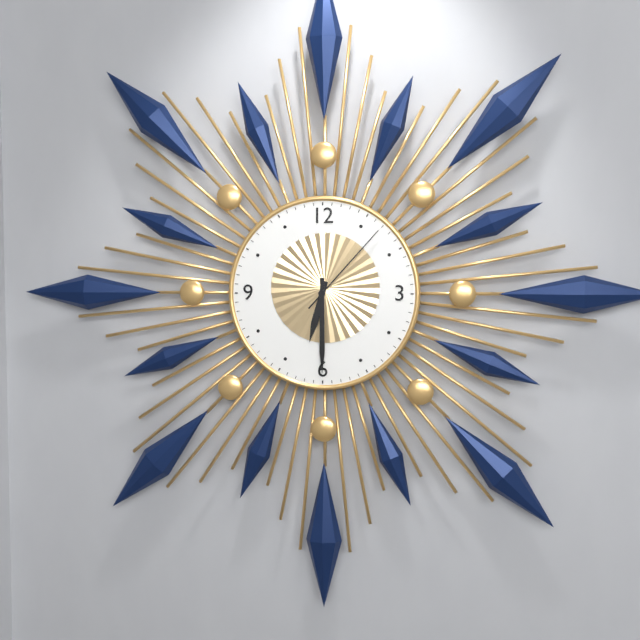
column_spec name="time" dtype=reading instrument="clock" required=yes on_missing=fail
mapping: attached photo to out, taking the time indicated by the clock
6:30:07
